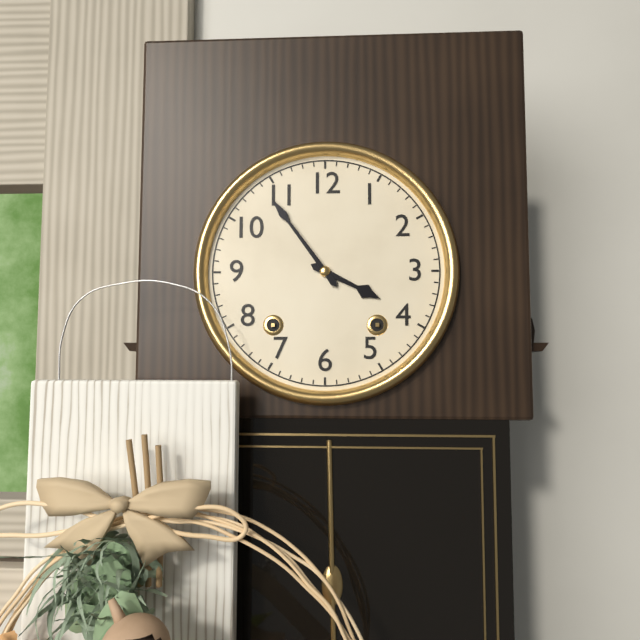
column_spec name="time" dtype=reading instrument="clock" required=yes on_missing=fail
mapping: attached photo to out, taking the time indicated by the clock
3:54
